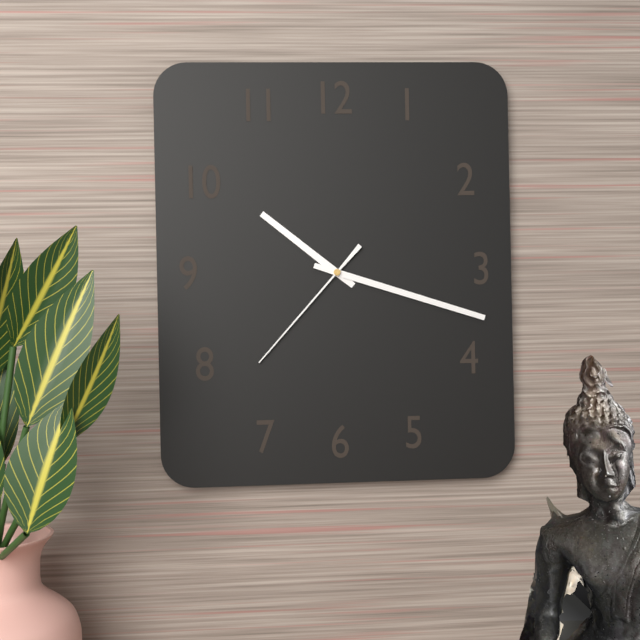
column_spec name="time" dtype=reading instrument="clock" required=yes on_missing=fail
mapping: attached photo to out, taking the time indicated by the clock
10:18:37
